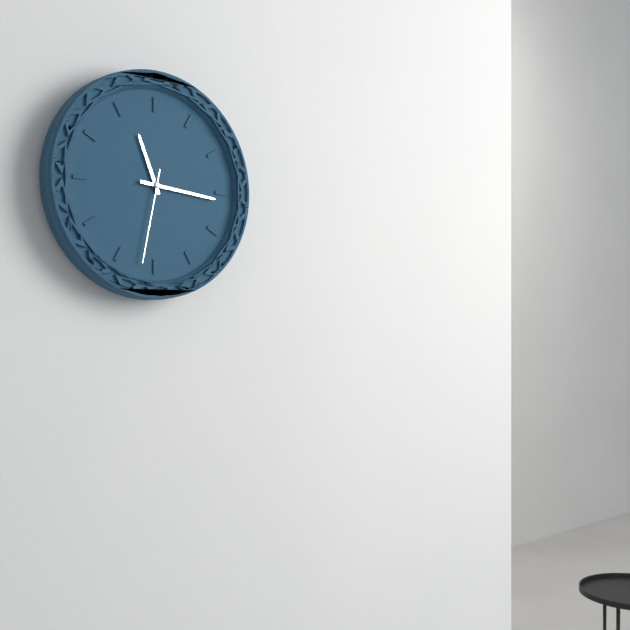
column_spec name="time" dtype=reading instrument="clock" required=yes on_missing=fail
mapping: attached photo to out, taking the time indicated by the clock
11:16:32
